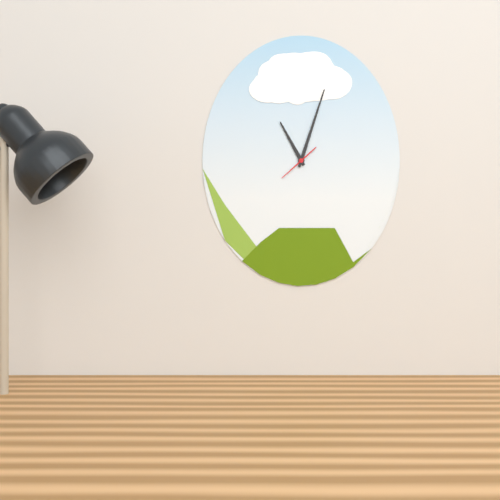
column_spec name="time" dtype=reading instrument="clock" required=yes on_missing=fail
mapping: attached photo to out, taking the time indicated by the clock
11:03
